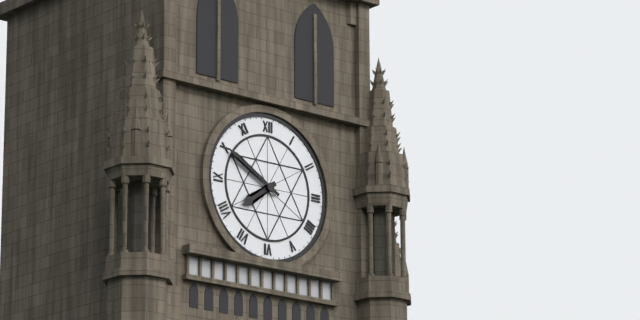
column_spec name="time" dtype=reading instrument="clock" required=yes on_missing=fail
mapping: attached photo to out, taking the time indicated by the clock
7:50
